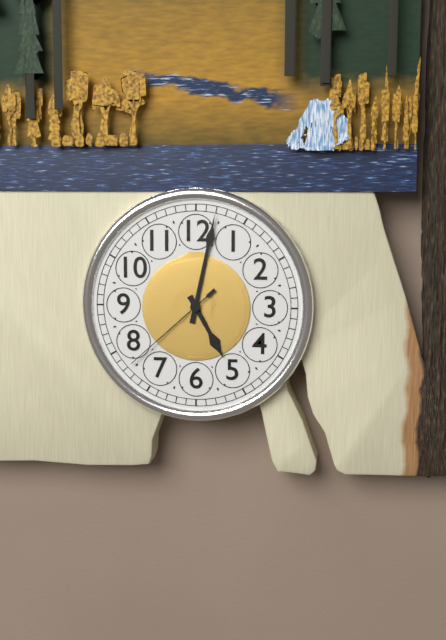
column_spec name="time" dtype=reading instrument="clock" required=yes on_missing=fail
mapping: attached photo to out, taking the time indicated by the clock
5:02:38
